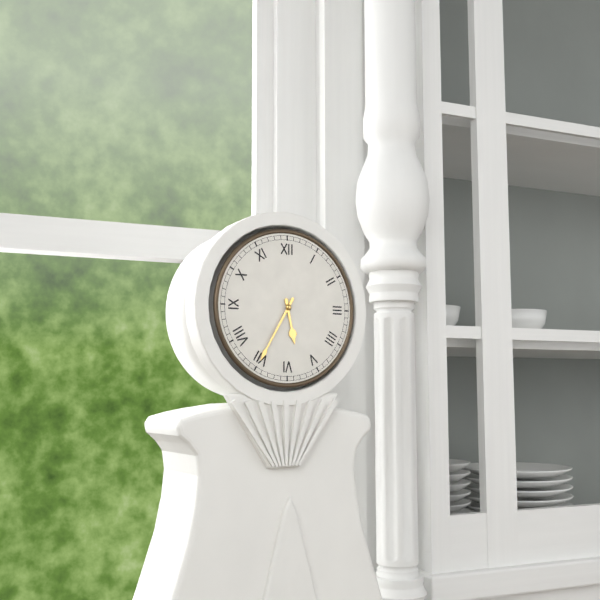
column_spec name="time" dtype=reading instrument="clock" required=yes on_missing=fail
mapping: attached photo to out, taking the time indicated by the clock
5:35
